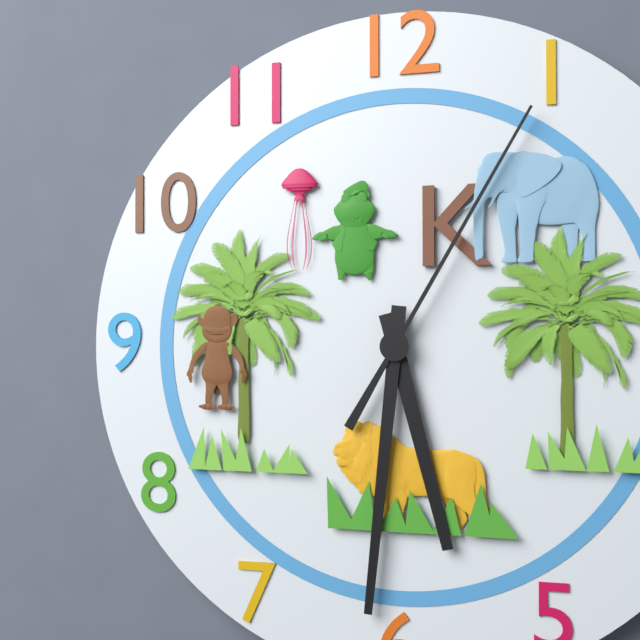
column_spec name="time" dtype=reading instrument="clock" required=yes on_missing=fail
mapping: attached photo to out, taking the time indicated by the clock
5:31:05
